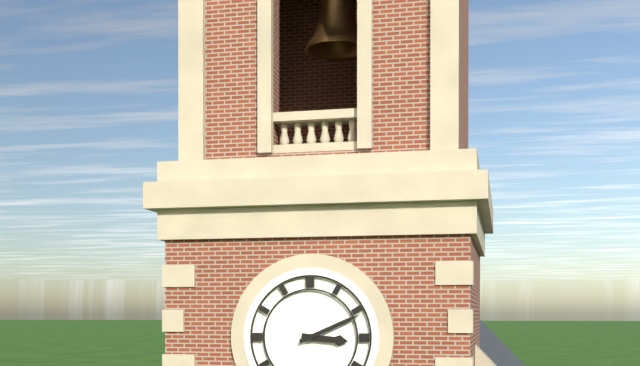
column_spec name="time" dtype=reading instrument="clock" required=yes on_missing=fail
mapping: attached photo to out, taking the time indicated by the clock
3:11
